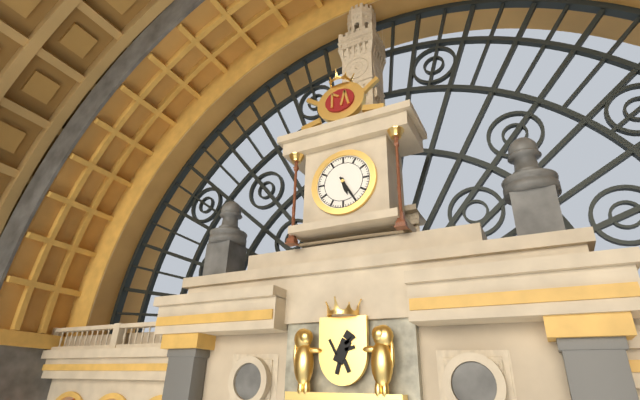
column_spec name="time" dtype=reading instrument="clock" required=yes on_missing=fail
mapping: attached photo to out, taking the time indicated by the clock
5:25
